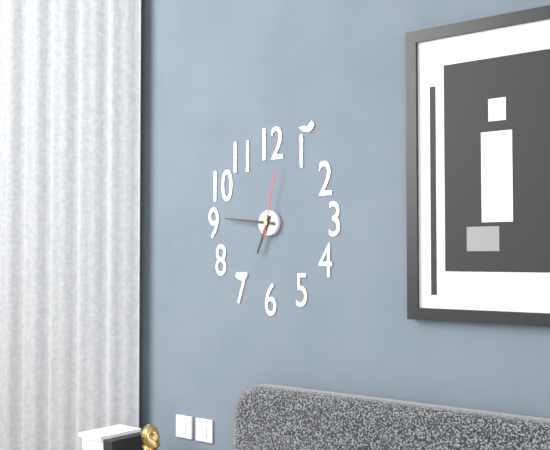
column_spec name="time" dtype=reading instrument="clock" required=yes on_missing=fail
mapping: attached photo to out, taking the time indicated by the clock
6:46:02
